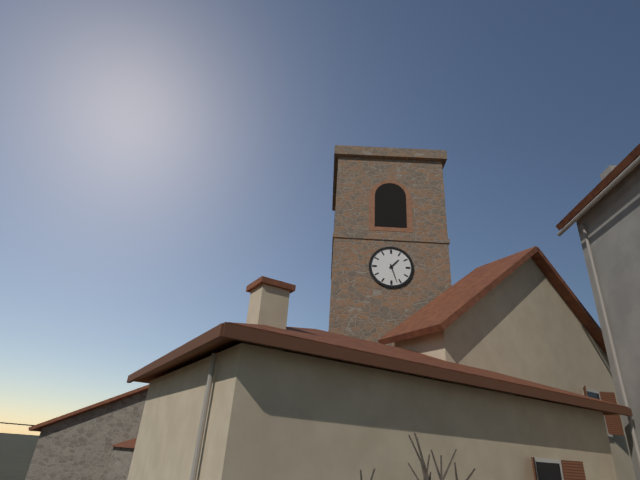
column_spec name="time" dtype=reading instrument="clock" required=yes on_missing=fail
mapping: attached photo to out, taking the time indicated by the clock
1:27
